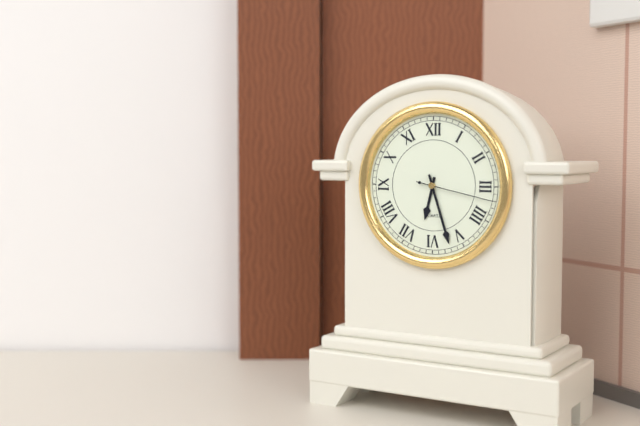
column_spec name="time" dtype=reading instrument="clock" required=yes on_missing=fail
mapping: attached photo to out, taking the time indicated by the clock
6:27:17
